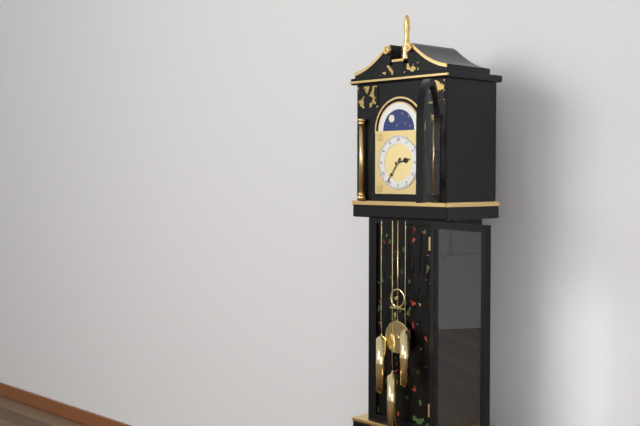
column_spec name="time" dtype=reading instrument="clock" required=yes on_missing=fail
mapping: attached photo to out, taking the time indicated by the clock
2:36
